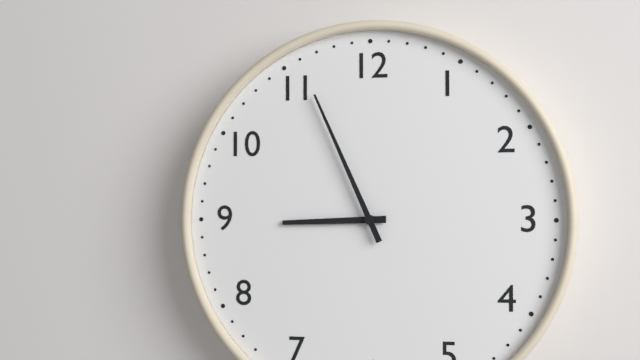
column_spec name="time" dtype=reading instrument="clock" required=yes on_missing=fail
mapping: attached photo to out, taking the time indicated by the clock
8:56
